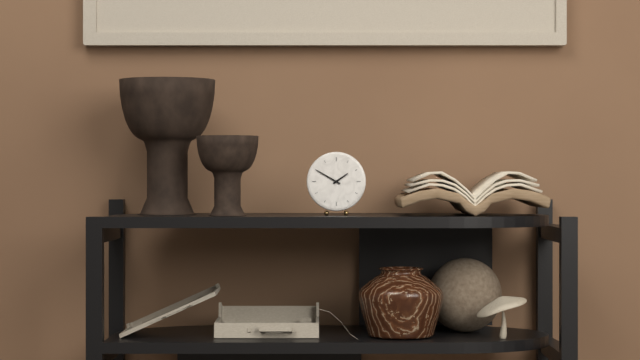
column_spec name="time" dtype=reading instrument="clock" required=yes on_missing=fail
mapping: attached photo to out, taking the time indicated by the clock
1:50
